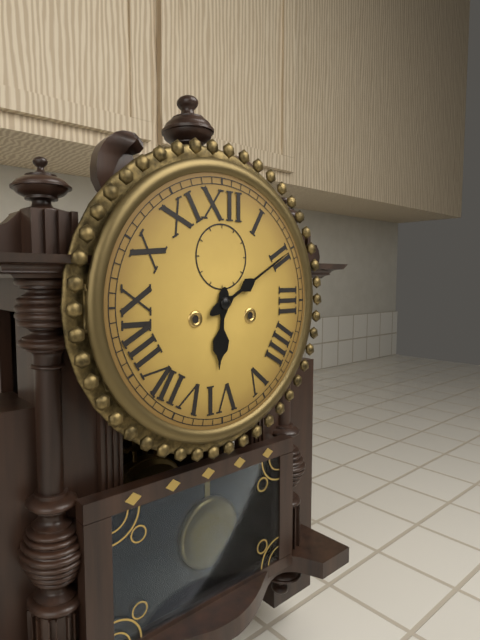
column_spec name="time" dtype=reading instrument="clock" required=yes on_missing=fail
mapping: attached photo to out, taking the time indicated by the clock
6:10
